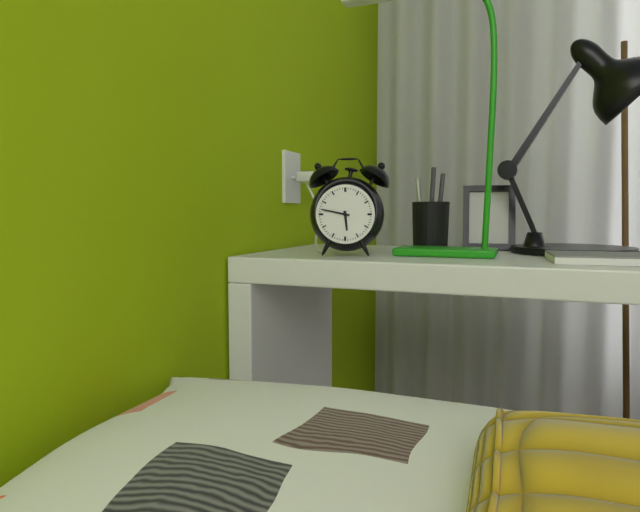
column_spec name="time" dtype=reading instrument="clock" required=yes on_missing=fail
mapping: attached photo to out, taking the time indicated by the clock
5:47
